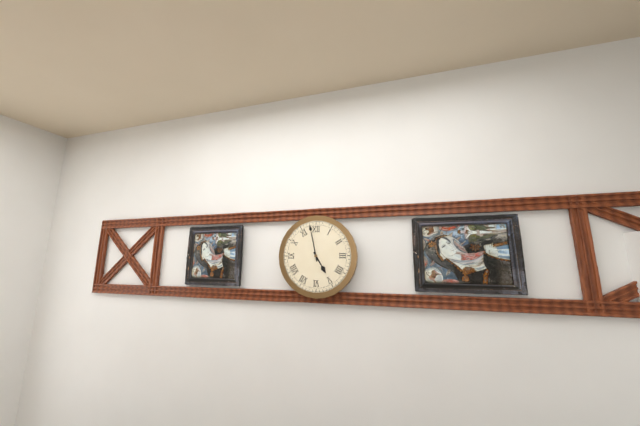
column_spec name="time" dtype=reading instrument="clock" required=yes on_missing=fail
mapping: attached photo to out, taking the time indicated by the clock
4:58
